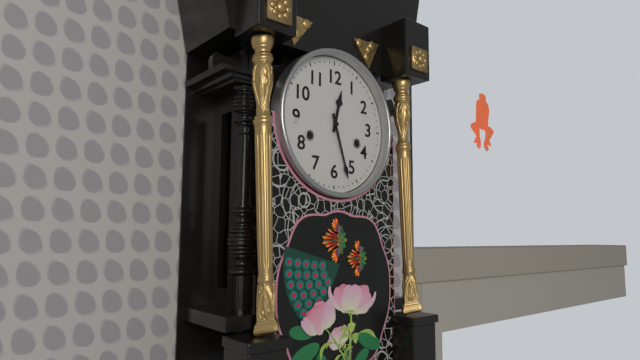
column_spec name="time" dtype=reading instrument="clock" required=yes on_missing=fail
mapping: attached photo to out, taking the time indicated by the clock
12:27
